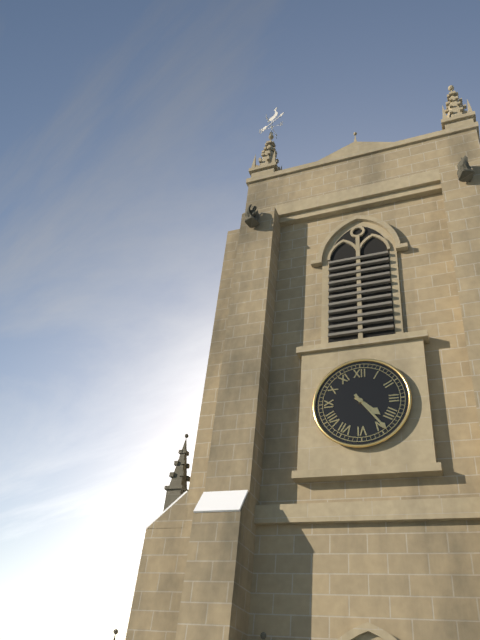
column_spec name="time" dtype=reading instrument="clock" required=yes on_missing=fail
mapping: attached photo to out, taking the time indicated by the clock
4:24
